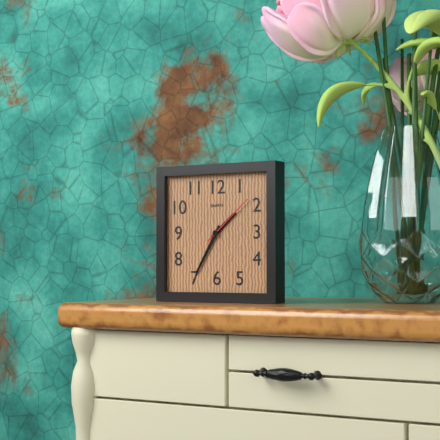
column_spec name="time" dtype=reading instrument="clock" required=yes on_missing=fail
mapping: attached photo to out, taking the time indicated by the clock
1:35:08
